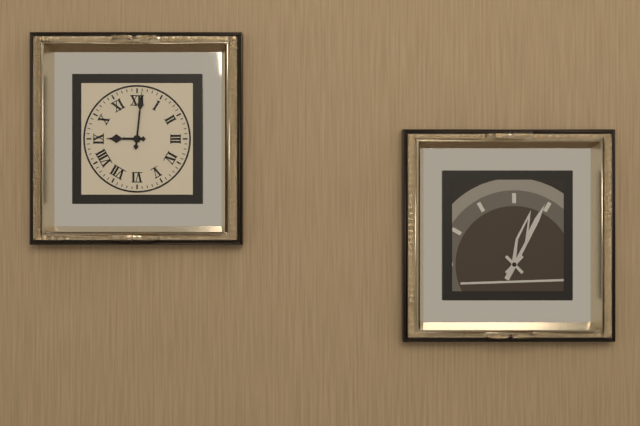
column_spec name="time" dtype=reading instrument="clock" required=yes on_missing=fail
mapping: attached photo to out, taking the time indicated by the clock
9:01
